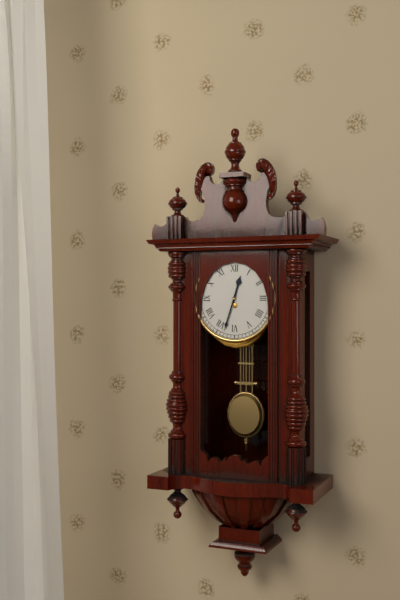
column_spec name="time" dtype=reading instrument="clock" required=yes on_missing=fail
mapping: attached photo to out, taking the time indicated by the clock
12:33
